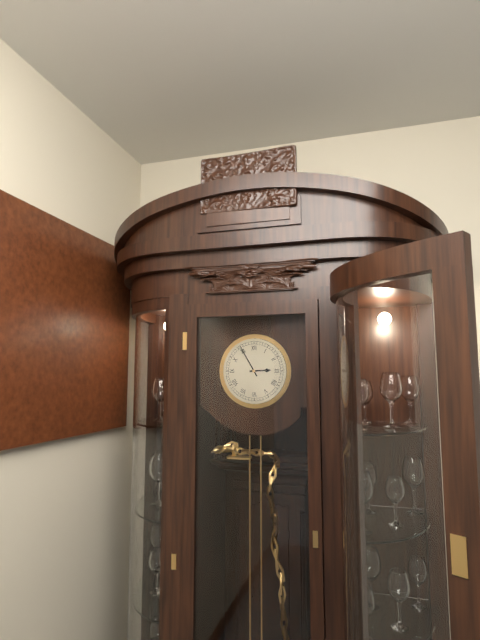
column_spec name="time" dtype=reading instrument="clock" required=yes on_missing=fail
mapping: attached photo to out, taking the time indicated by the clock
2:55
